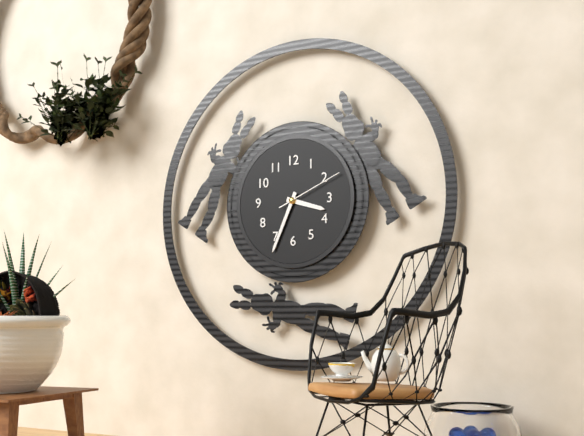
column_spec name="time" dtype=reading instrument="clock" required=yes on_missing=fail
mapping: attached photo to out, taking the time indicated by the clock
3:34:11
